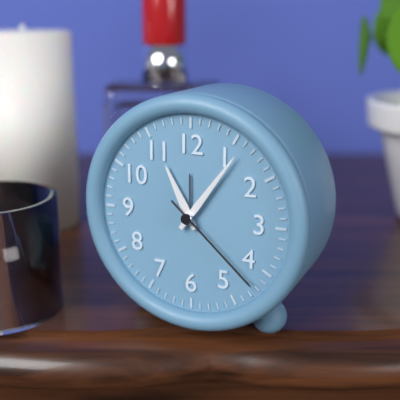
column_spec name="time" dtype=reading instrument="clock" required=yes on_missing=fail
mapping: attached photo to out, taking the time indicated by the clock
11:06:22
